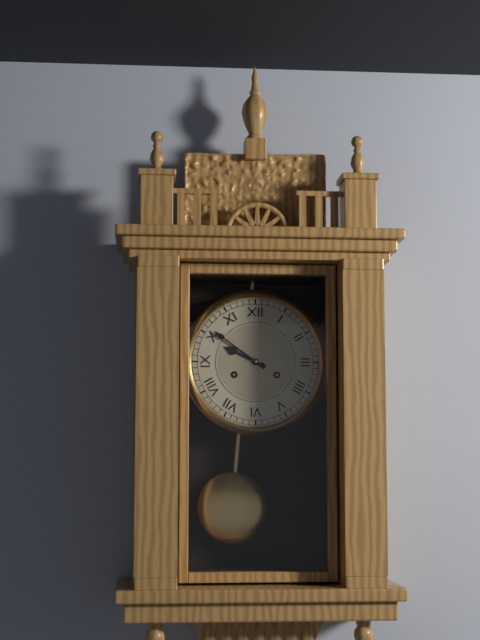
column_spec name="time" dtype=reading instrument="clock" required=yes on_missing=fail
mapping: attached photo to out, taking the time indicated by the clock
9:51
